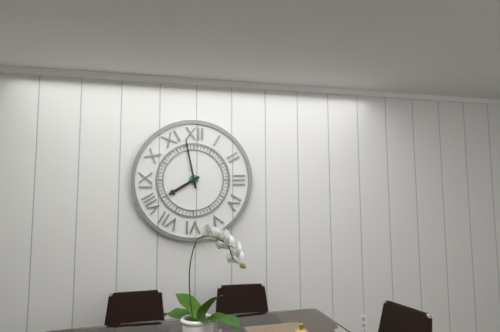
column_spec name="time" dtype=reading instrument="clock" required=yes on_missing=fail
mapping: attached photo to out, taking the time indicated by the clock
7:58
